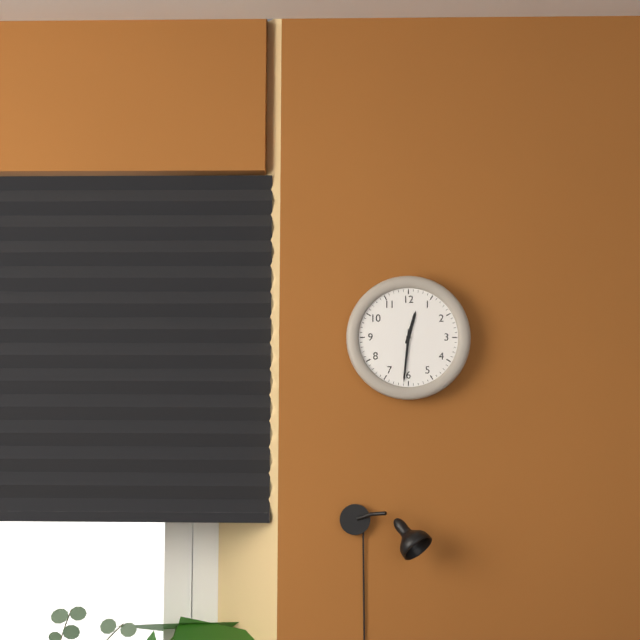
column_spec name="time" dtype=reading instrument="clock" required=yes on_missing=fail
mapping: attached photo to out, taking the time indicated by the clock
12:31
